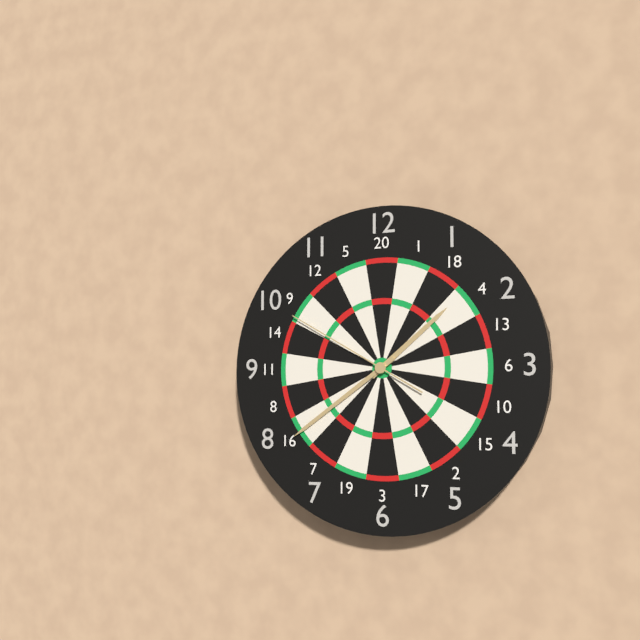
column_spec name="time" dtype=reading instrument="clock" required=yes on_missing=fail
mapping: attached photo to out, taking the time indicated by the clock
1:39:50
